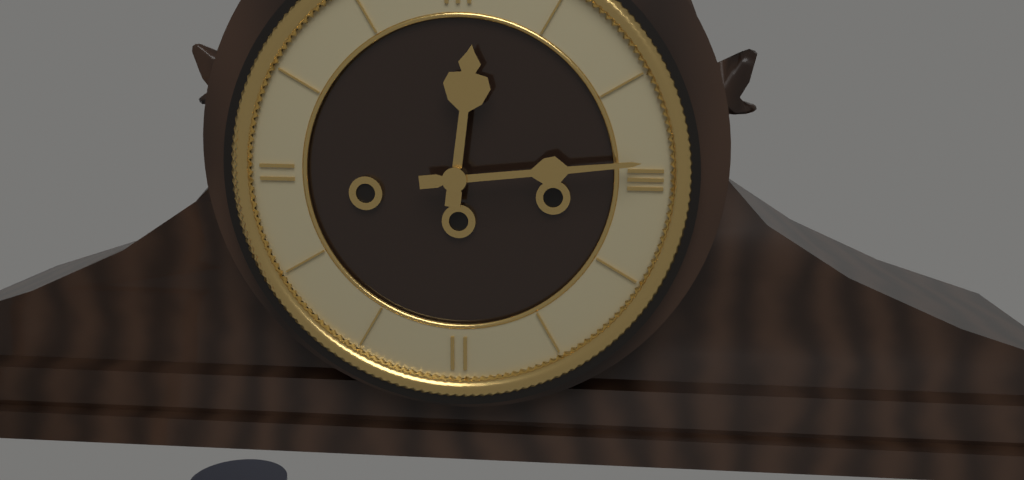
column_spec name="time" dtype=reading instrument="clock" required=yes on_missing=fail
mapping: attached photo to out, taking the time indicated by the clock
12:14
